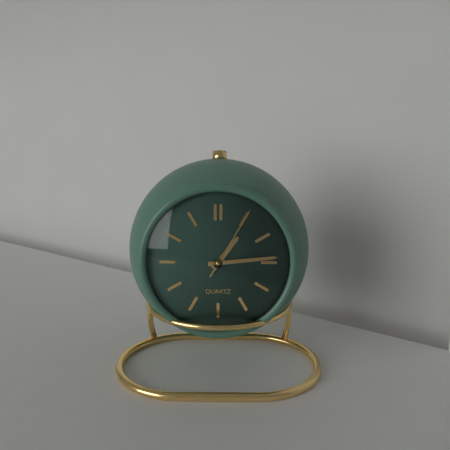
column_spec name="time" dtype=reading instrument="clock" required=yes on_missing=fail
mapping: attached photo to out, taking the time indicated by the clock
1:14:05
